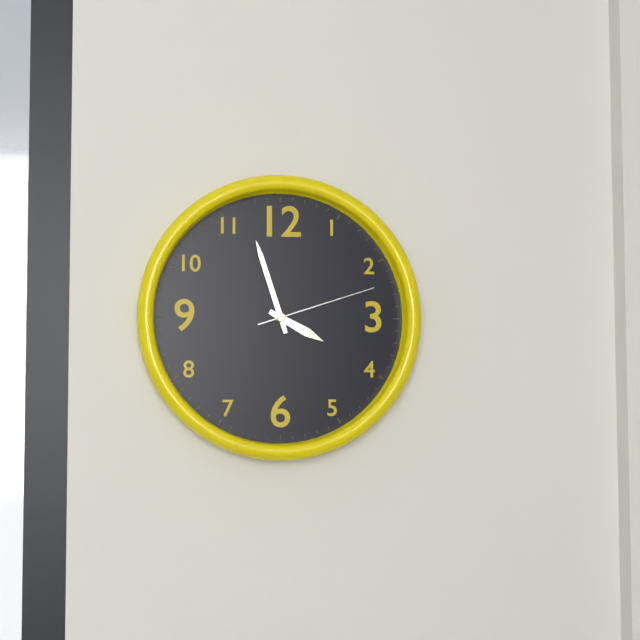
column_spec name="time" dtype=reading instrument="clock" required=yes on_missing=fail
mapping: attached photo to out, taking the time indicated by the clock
3:57:12
